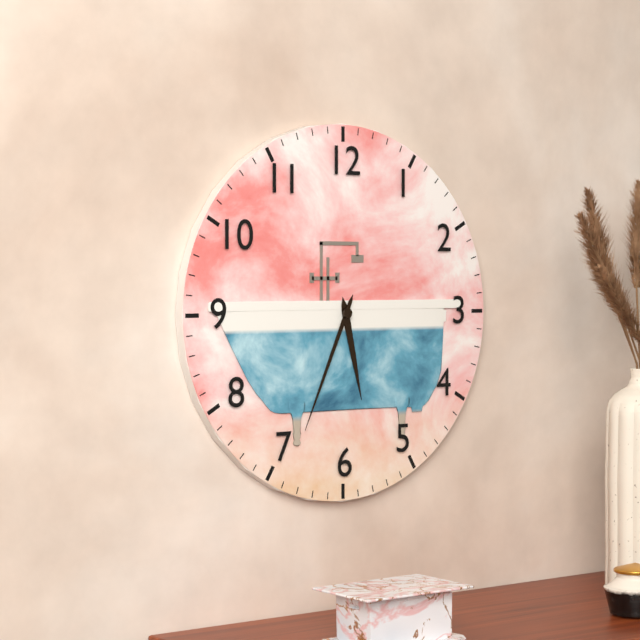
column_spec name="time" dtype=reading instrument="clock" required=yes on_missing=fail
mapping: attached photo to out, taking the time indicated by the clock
5:34
